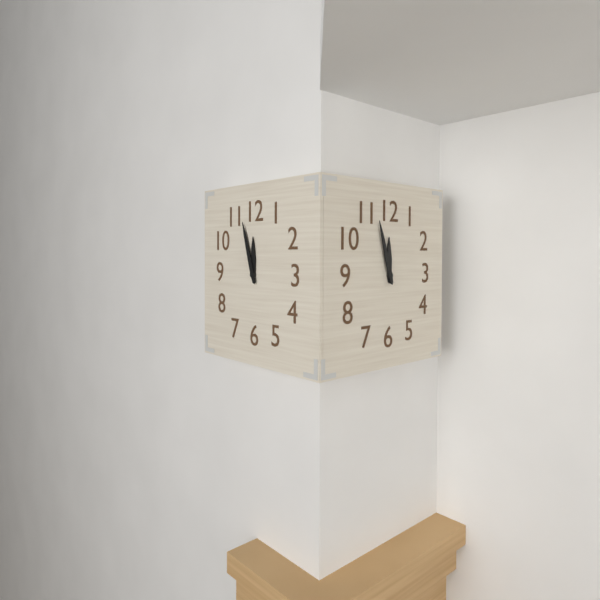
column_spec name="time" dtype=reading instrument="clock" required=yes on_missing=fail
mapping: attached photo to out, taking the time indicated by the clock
11:57
